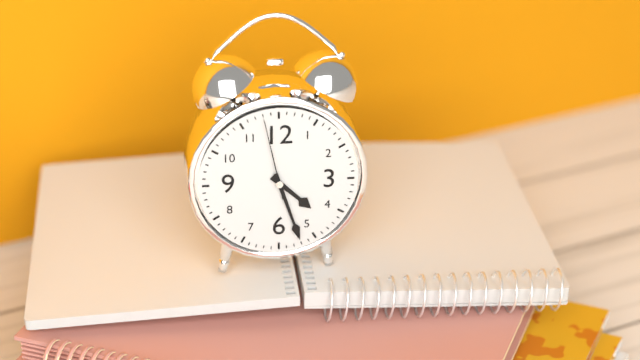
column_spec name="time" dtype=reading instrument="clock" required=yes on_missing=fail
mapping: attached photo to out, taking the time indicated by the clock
4:27:58
